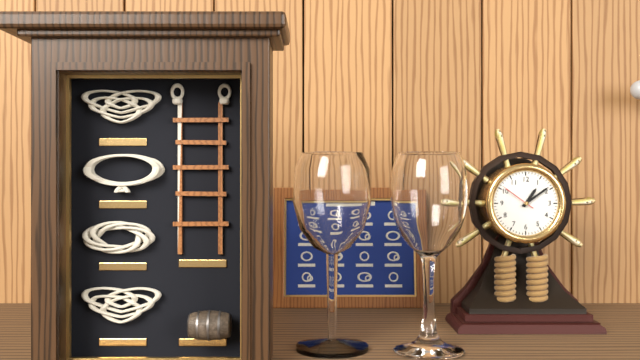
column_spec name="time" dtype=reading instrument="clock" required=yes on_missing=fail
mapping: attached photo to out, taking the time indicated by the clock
1:09
